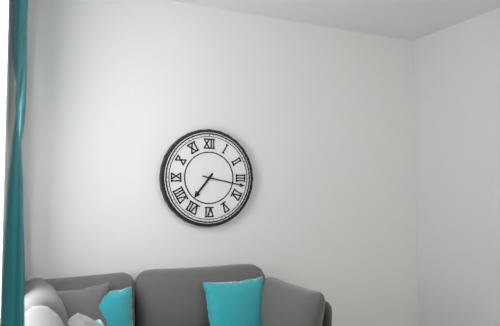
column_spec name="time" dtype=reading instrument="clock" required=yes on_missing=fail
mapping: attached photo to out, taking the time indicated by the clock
7:17
